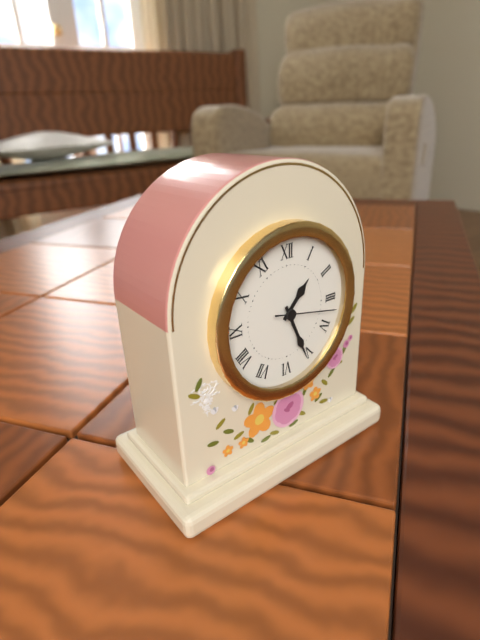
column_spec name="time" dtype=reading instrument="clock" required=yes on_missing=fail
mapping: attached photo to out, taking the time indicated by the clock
1:26:17
